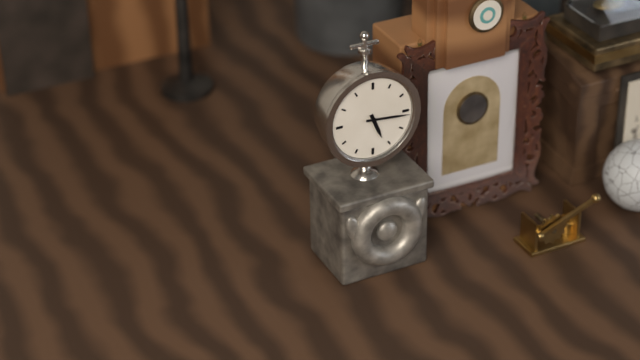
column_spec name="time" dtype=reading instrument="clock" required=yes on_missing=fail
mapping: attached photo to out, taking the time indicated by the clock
5:16
